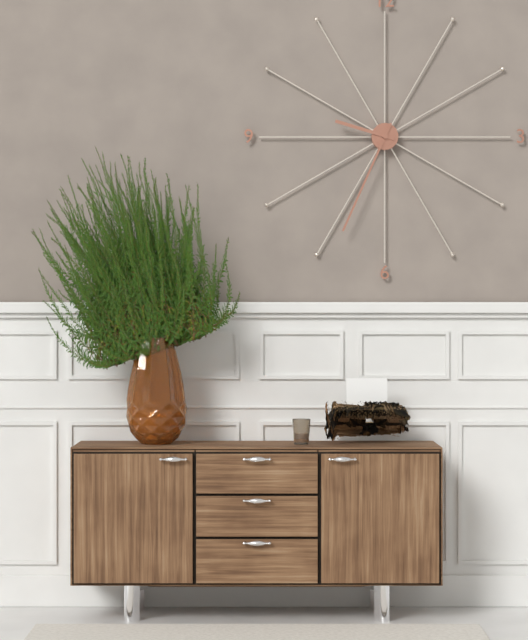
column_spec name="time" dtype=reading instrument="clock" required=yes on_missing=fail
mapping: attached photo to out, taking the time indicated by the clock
9:34
